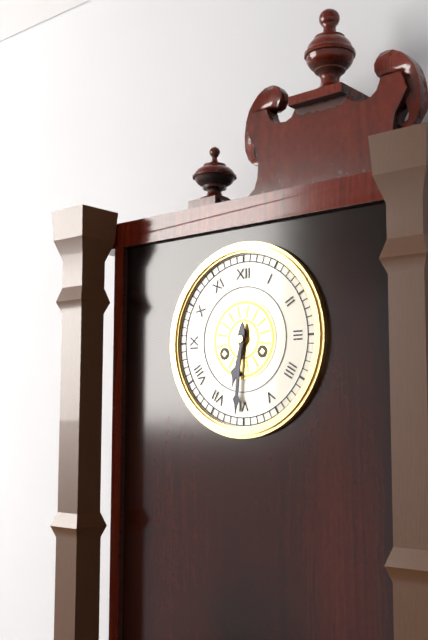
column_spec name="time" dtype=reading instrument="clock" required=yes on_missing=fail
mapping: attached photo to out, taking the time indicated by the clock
6:31
